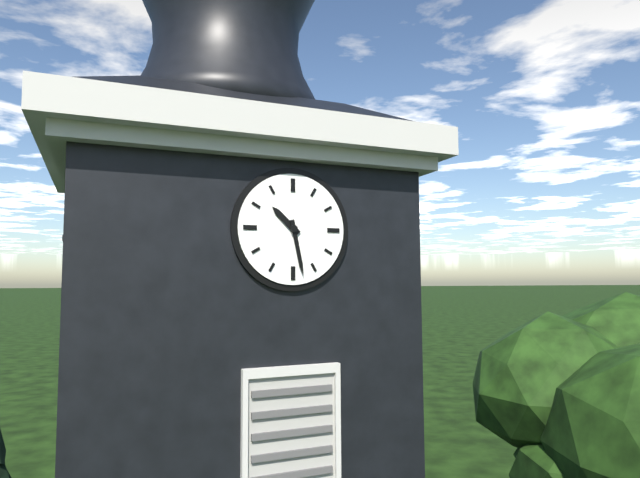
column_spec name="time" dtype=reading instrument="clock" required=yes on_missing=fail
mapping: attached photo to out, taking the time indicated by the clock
10:28
